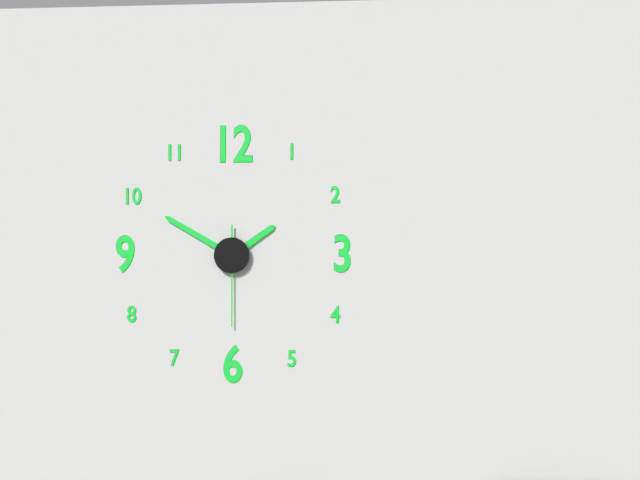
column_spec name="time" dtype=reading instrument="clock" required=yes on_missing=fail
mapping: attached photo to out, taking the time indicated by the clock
1:50:30
